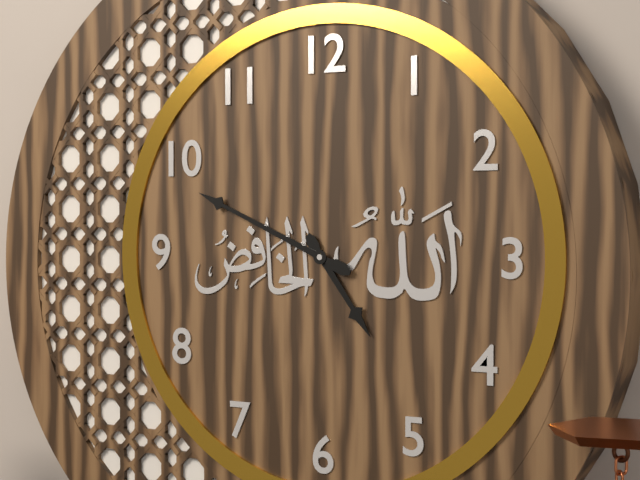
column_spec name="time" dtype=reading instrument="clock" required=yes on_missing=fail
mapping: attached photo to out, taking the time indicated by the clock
4:49
